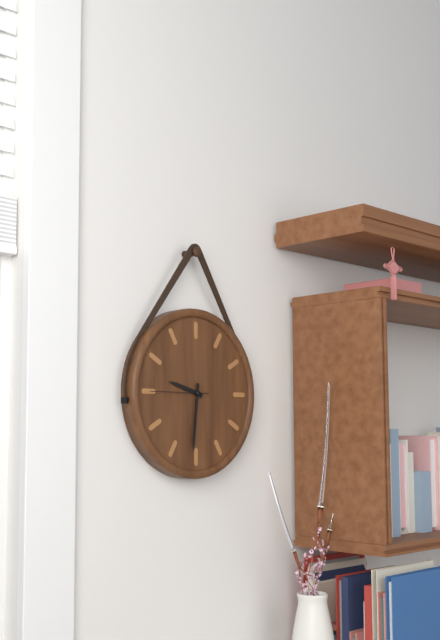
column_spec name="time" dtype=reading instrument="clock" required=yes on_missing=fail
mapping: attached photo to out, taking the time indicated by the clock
9:31:45
